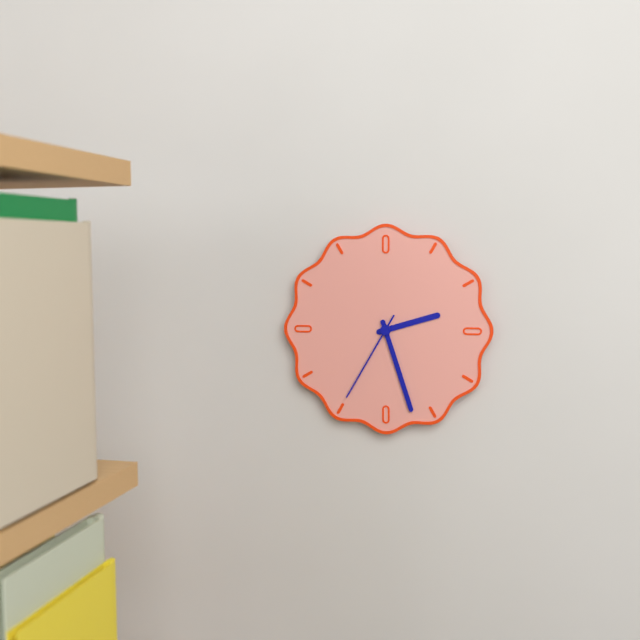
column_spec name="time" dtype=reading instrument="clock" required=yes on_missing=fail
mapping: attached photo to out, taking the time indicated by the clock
2:27:35
